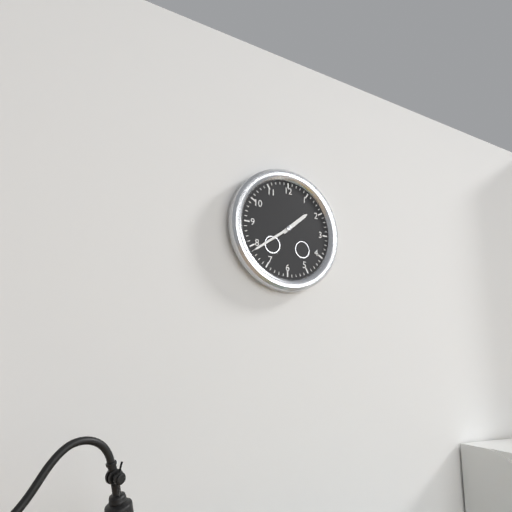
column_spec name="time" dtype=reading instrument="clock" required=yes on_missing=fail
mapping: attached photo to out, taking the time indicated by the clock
1:39
